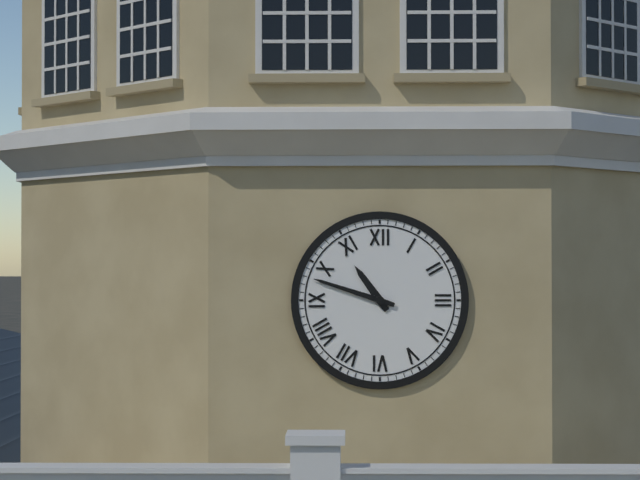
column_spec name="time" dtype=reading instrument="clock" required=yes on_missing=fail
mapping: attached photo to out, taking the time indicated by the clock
10:48
